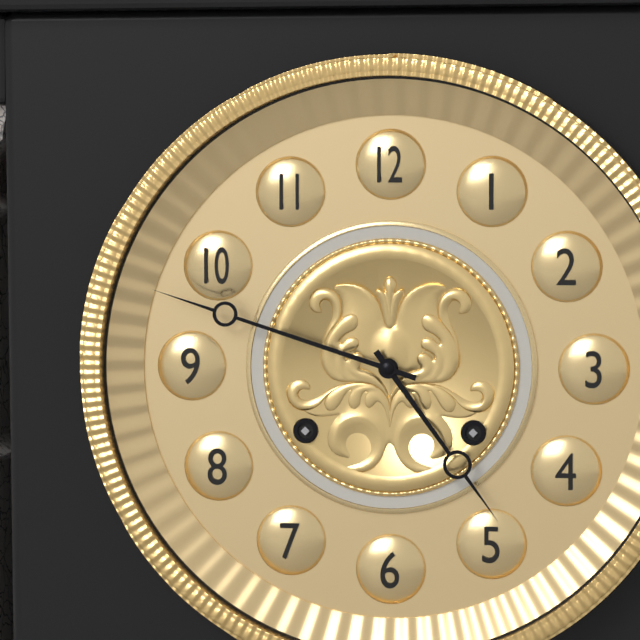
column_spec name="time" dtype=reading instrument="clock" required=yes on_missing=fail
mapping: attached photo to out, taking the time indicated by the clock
4:48
